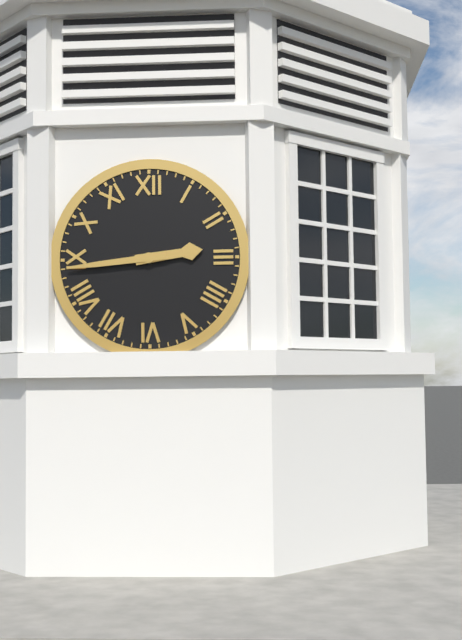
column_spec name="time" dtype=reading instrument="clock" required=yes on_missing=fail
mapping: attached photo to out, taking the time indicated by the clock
2:44
